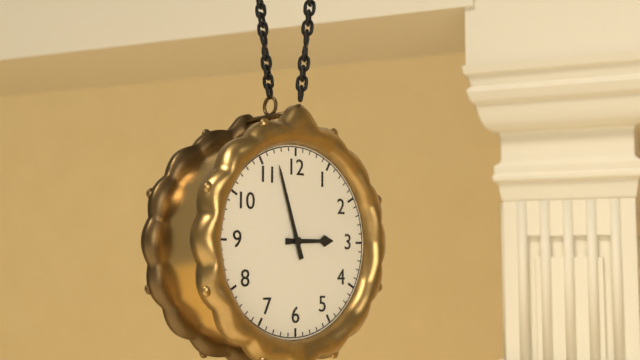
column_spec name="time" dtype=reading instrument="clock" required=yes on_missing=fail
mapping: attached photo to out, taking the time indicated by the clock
2:57
